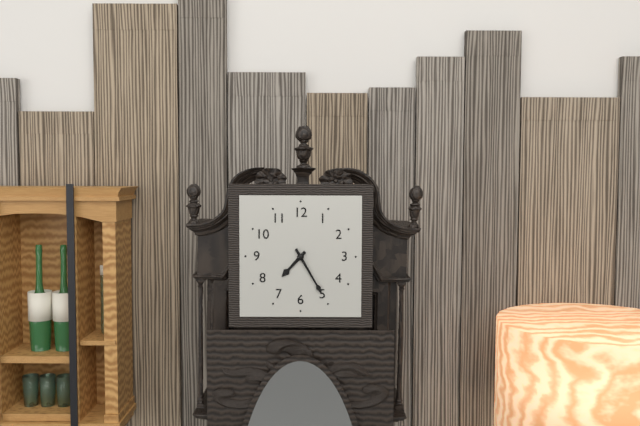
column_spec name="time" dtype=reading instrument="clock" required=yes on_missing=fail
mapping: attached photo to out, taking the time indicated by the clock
7:25
